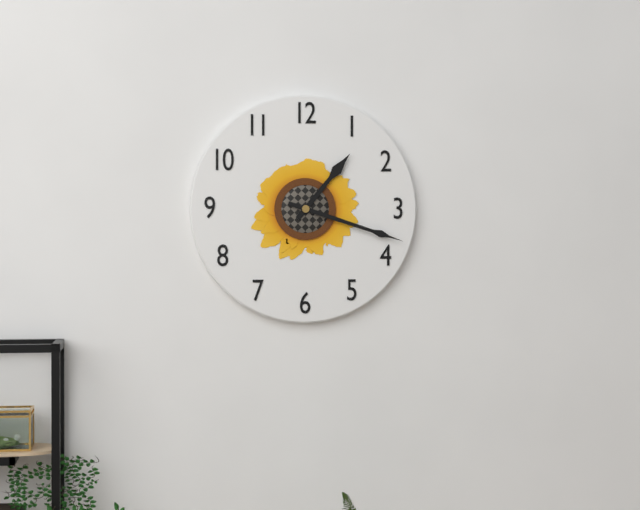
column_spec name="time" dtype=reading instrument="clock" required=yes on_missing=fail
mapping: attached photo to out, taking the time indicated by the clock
1:18
